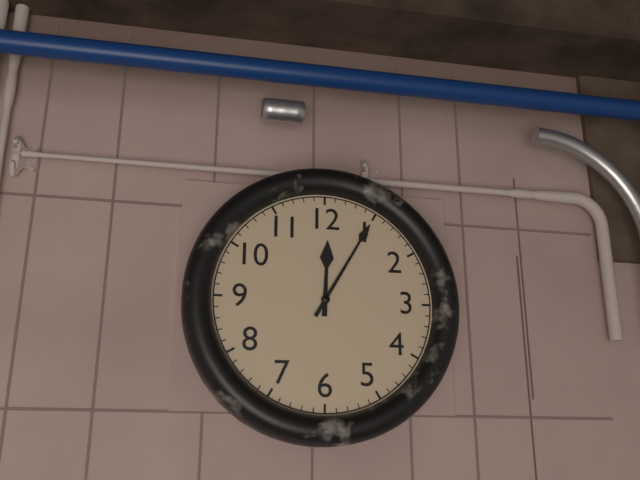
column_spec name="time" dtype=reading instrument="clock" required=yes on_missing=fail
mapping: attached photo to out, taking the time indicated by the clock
12:05
